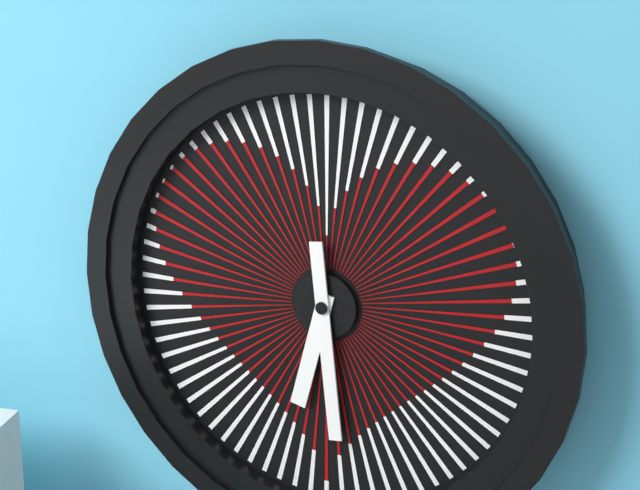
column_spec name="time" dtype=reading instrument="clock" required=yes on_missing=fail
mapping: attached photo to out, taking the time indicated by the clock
6:29
